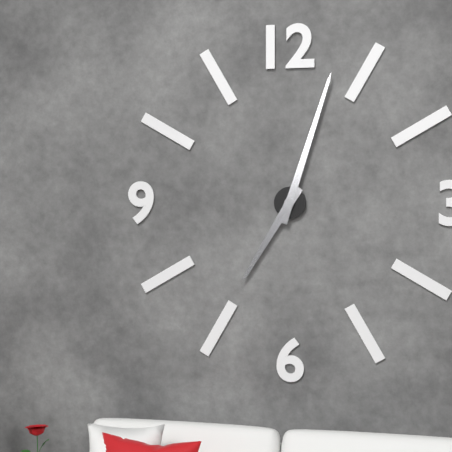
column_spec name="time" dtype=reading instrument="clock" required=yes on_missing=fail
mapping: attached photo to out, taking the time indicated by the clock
7:03
